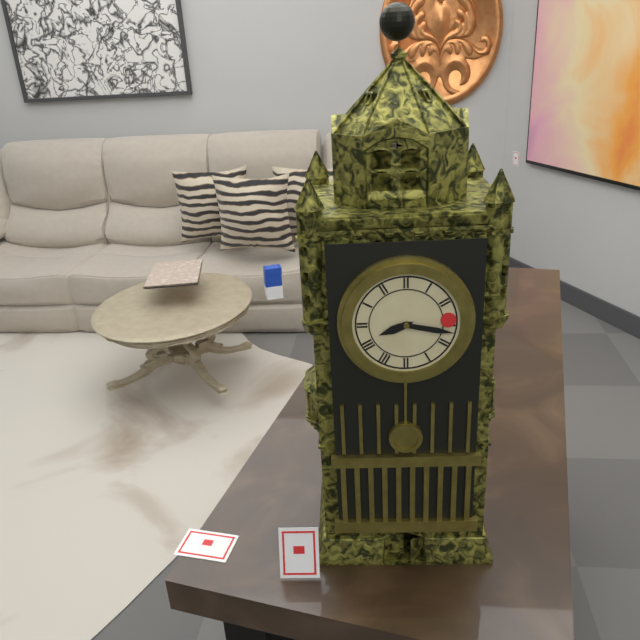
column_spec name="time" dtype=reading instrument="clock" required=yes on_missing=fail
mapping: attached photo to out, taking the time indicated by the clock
8:17
